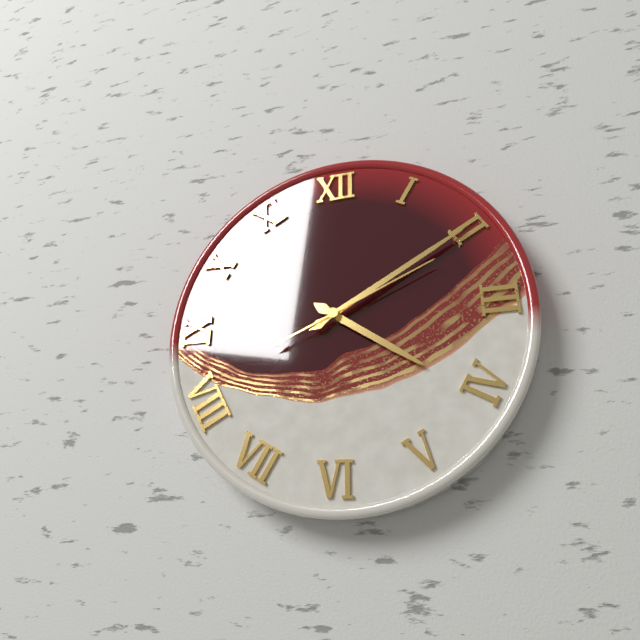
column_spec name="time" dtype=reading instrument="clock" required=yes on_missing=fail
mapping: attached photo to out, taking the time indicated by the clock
4:10:11
